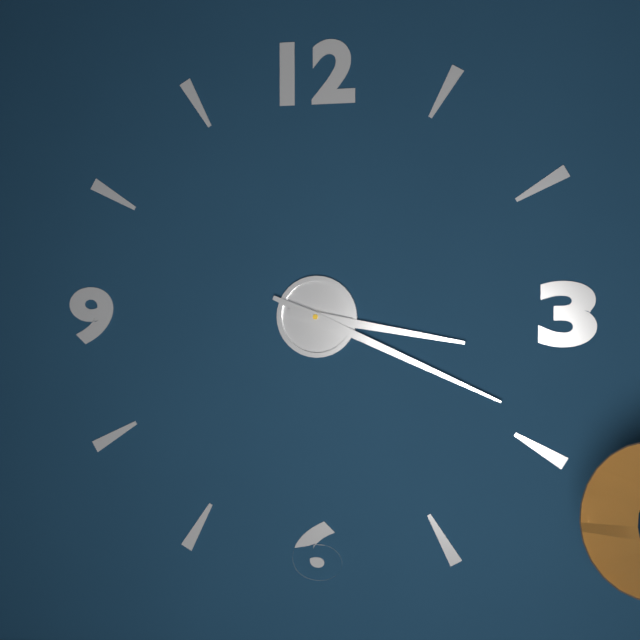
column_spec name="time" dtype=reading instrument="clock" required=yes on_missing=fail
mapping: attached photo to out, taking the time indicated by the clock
3:19
